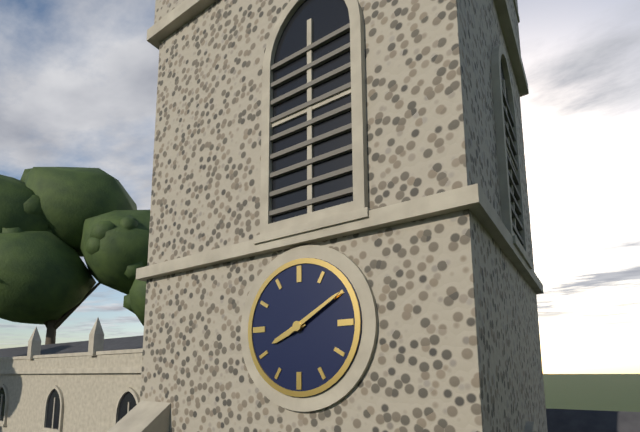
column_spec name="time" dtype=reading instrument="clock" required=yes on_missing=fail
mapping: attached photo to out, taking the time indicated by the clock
8:10
